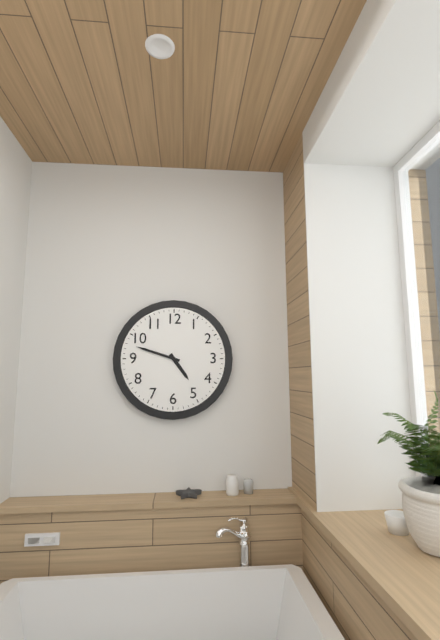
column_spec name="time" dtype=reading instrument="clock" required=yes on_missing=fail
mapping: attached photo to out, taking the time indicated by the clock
4:48
